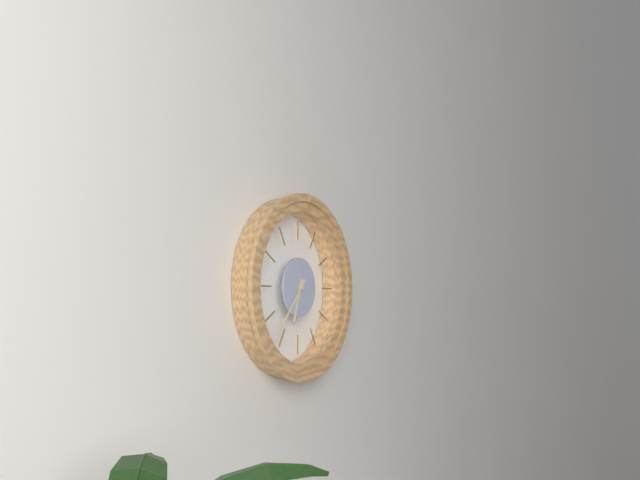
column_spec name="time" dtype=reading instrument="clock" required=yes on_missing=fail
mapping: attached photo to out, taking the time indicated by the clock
6:37
